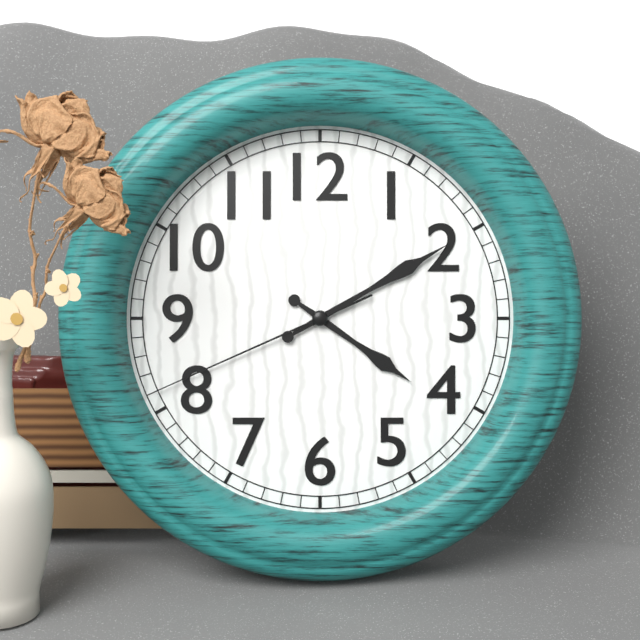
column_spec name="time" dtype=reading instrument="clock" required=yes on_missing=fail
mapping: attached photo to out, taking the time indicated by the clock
4:10:41
